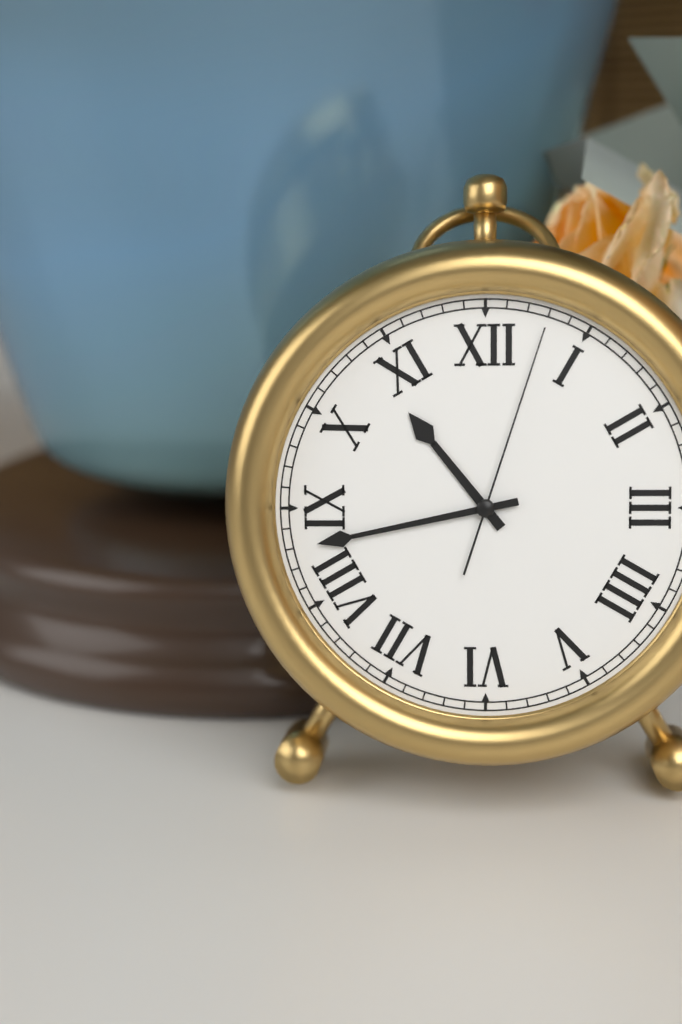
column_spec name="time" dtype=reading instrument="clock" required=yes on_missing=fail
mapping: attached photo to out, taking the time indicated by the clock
10:43:03
